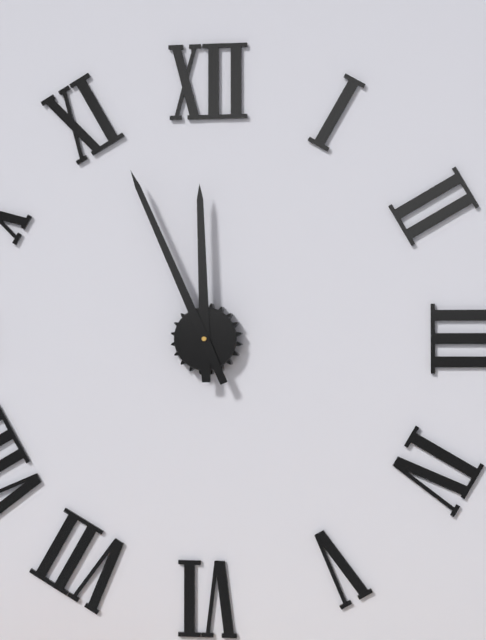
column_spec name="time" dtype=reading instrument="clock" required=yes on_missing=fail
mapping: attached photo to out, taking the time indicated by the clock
11:56
